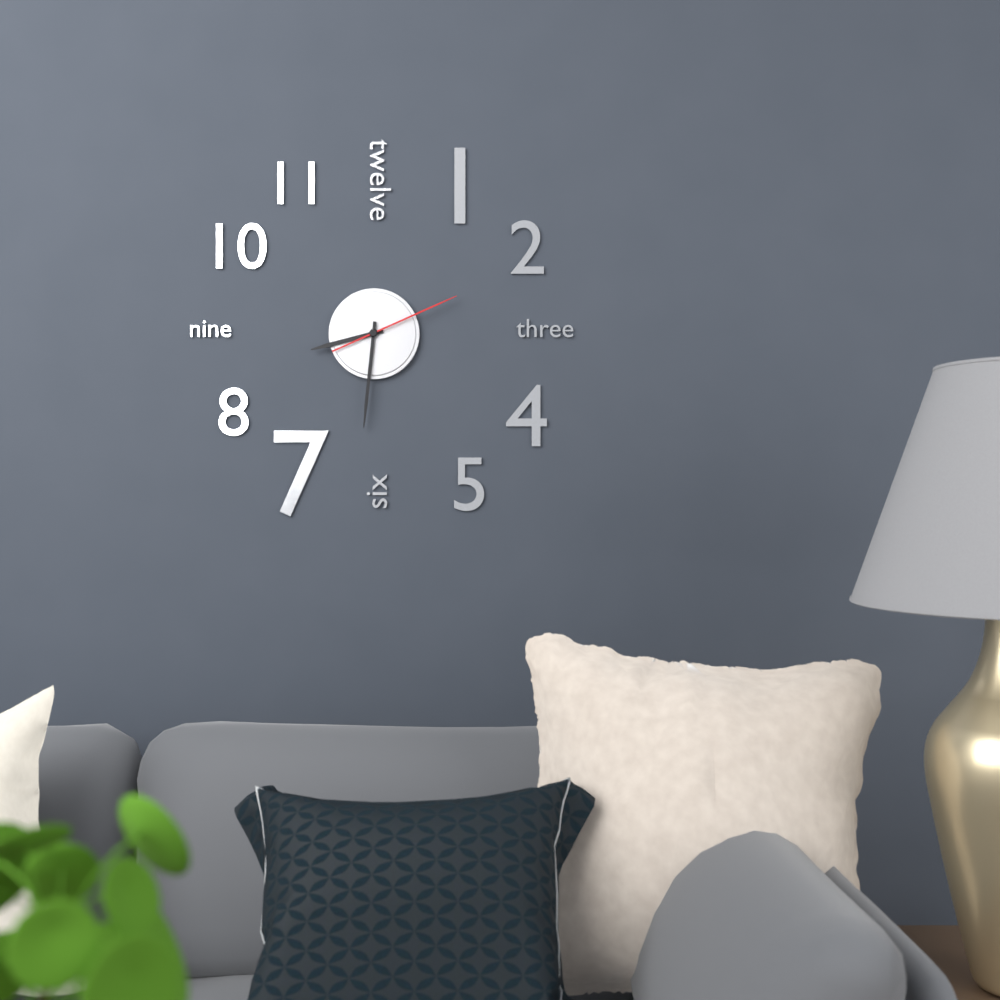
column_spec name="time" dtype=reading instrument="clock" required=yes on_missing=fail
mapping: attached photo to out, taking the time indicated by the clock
8:31:11
